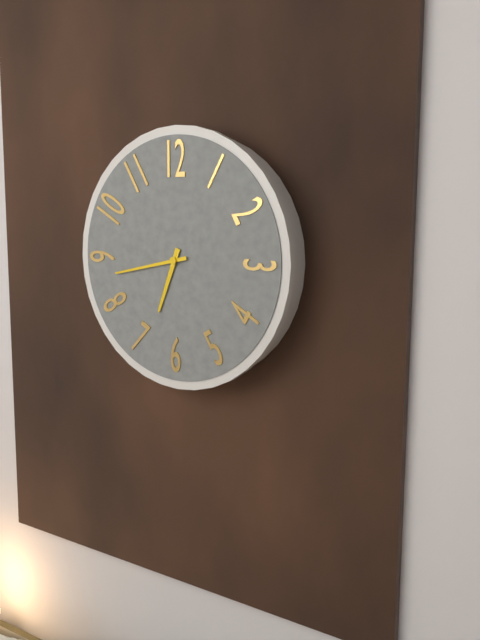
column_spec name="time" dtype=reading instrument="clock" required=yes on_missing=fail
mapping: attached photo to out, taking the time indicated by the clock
6:43
